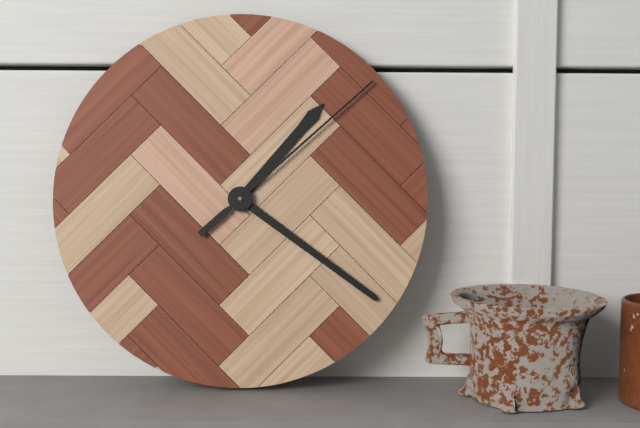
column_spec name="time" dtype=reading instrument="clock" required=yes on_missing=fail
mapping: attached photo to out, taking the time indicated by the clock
1:21:08
